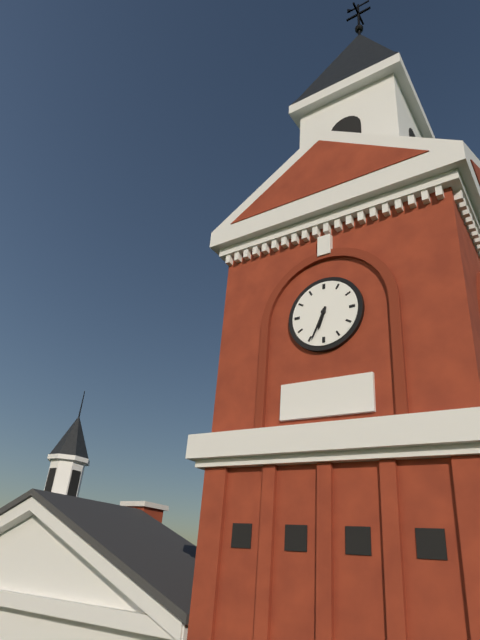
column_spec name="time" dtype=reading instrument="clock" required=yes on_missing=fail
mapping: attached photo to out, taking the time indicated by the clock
6:34
